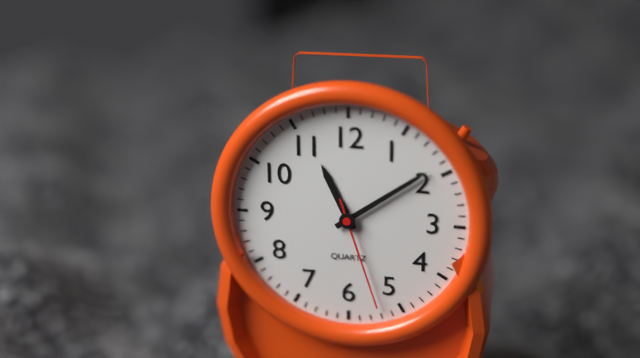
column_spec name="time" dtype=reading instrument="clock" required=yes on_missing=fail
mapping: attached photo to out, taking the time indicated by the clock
11:09:27
